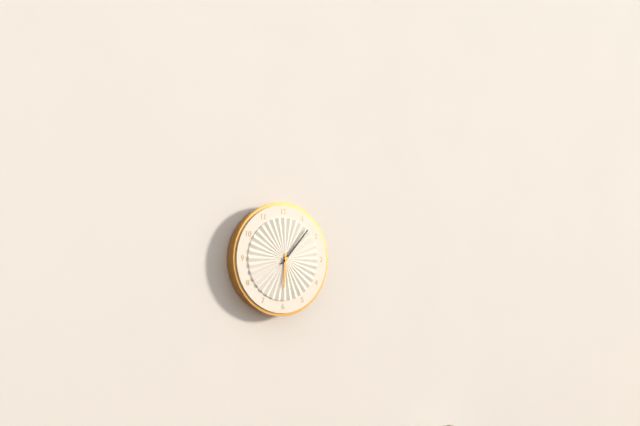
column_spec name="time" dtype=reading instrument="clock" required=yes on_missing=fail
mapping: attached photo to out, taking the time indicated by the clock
6:07
